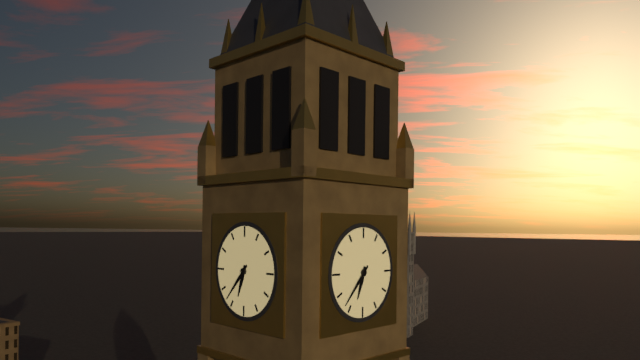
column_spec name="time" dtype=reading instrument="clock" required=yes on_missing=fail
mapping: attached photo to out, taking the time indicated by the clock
6:37
